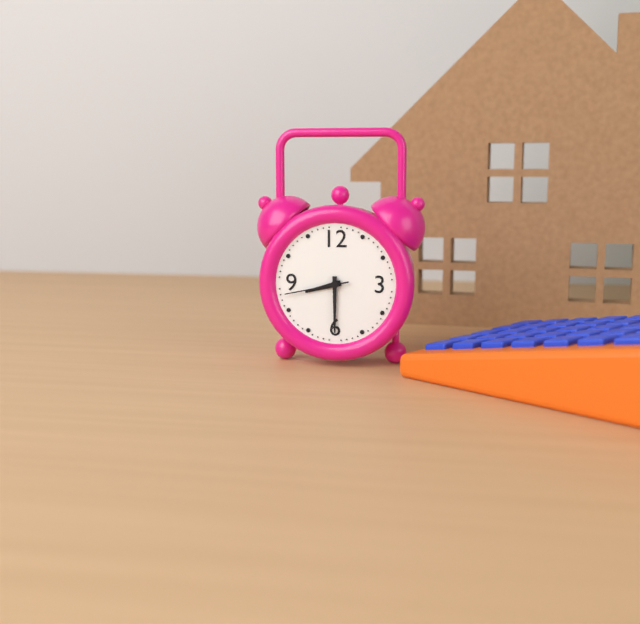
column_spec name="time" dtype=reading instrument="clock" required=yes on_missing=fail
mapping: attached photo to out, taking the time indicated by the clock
8:30:43
